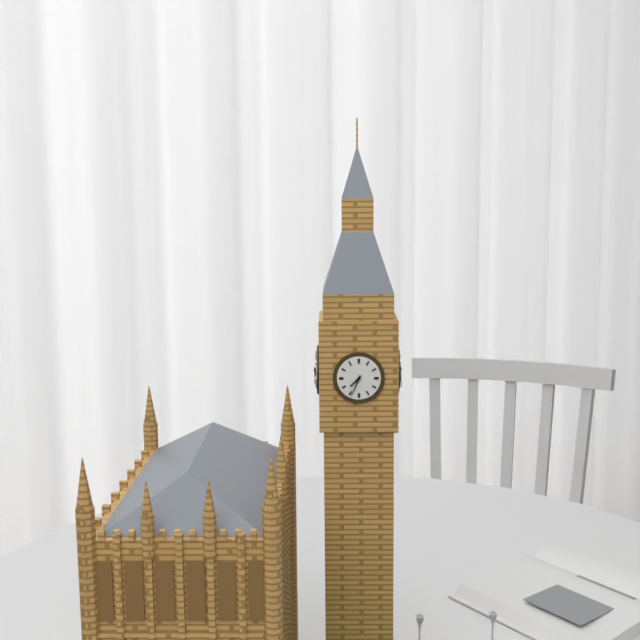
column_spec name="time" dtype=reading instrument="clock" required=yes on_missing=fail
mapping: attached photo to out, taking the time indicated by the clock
7:34
